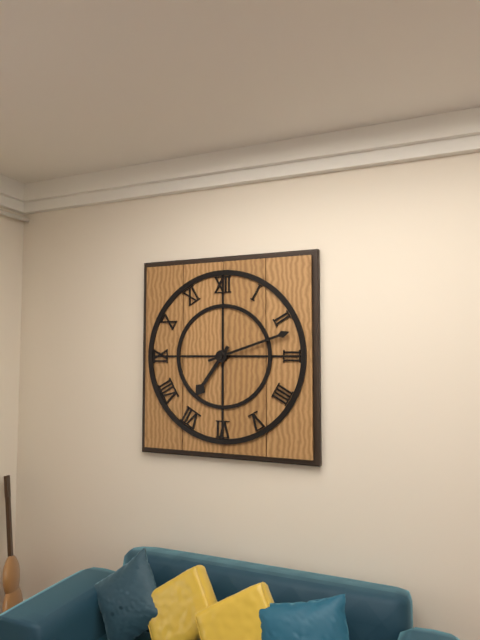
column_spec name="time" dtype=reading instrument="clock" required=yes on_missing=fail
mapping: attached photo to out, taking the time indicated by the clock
7:12
